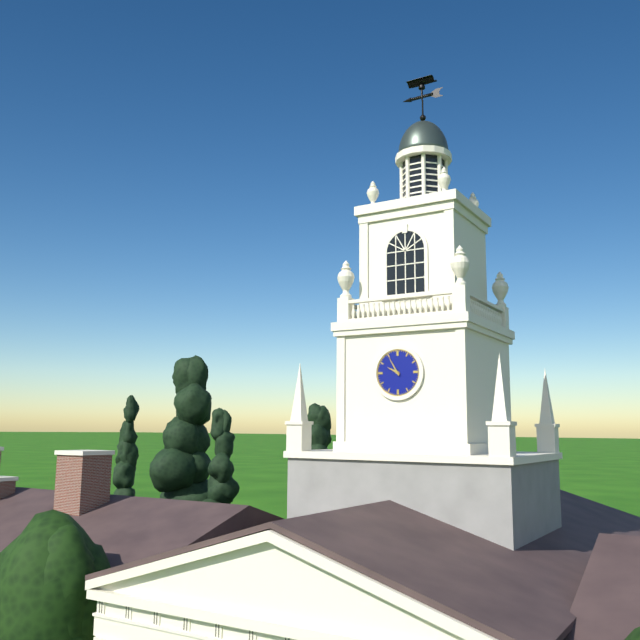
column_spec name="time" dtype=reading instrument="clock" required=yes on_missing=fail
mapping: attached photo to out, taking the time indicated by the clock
9:55
